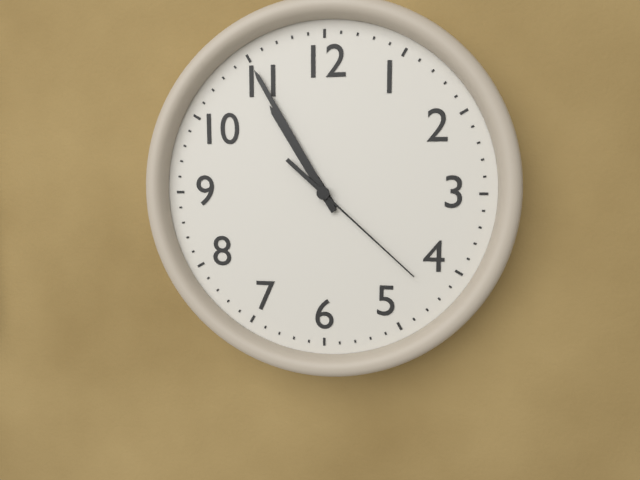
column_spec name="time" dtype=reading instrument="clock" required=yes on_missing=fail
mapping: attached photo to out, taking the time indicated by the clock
10:55:22
